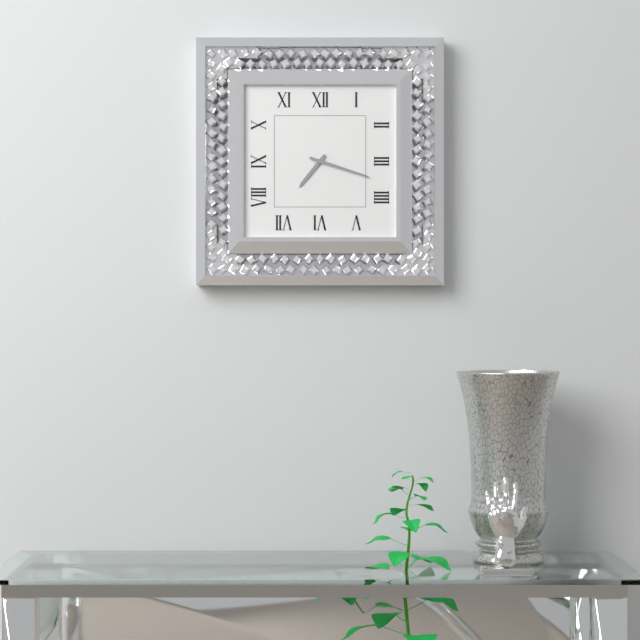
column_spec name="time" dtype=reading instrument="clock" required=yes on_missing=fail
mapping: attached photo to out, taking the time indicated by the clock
7:18
